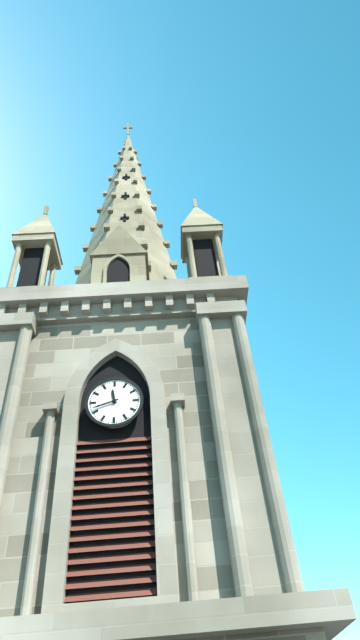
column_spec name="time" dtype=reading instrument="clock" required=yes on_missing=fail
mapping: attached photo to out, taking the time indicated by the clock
11:42
